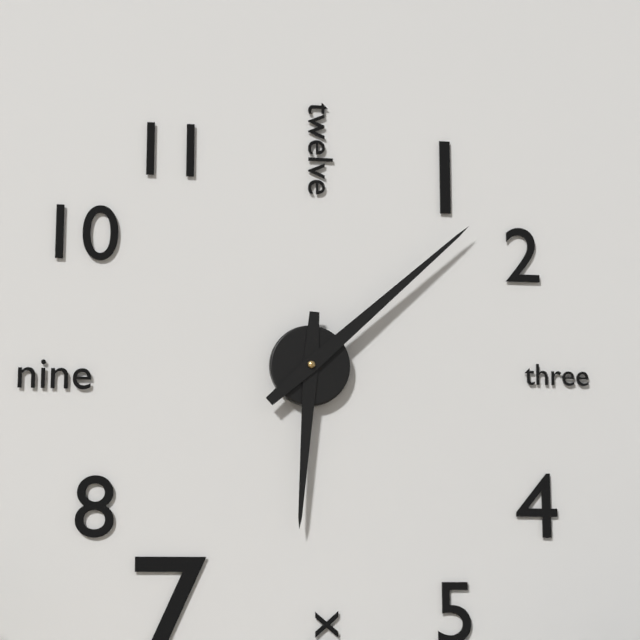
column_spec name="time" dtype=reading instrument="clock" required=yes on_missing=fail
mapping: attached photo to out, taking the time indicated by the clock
6:08
